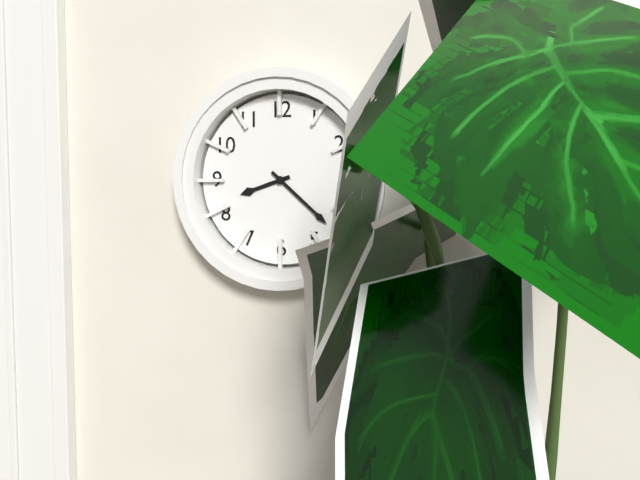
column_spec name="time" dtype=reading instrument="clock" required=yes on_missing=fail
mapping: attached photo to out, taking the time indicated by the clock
8:22
